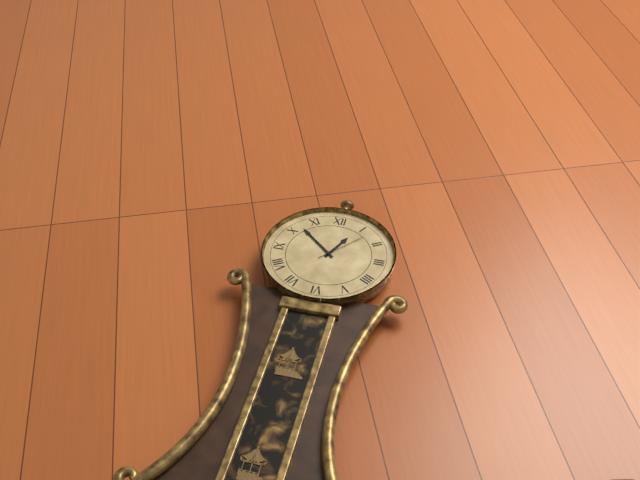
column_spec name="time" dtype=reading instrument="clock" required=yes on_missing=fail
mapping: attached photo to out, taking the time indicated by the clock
12:52
